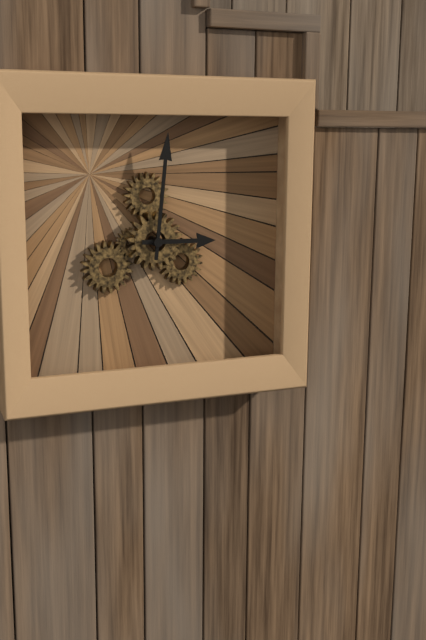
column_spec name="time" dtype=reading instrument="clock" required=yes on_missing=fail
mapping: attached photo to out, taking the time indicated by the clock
3:01
